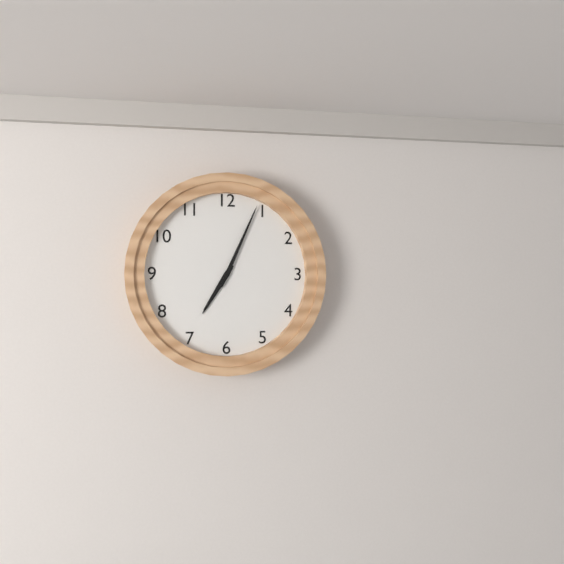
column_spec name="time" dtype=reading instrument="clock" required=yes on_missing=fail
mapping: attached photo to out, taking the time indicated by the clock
7:04
